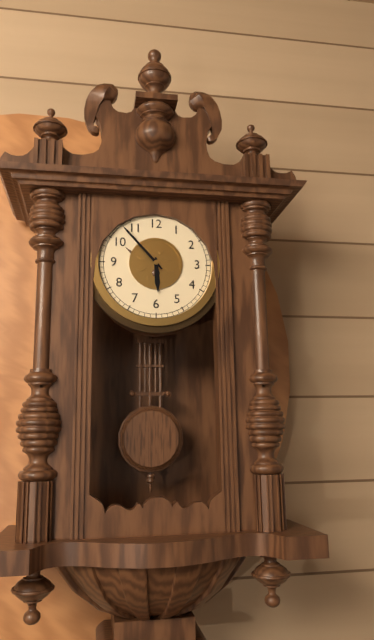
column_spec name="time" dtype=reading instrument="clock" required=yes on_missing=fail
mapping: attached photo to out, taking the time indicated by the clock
5:53
